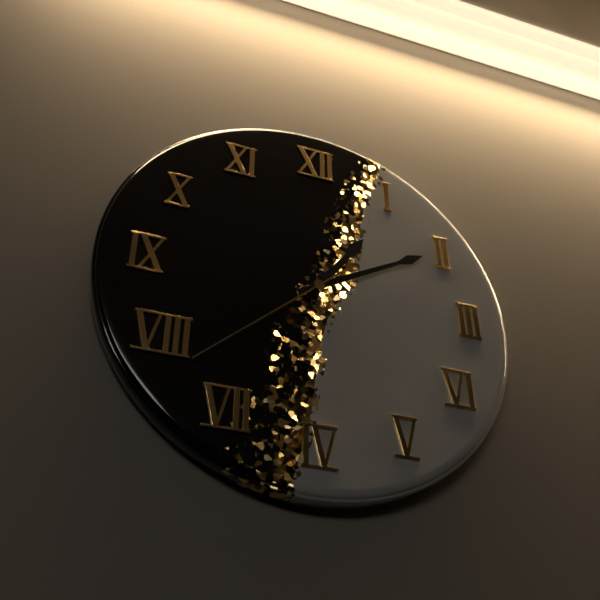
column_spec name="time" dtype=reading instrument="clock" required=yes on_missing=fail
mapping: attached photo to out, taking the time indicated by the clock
1:10:38
